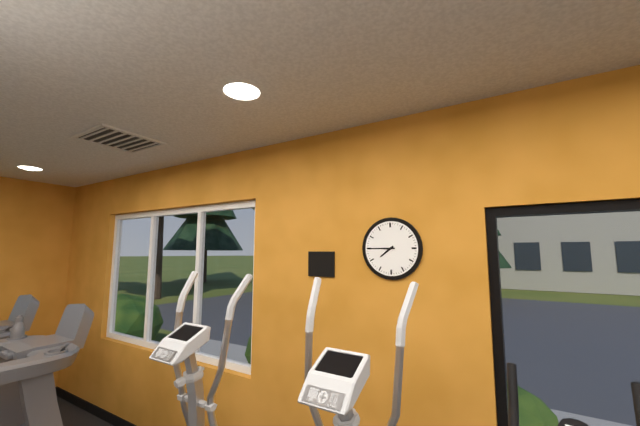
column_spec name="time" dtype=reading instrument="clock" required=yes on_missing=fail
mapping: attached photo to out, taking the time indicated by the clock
7:45
